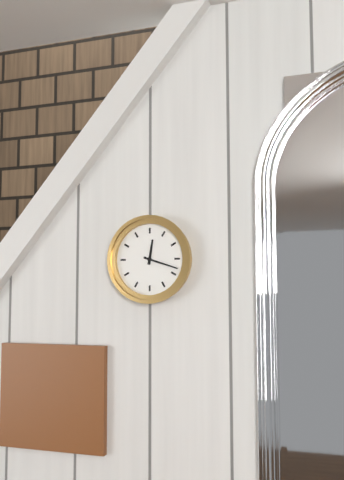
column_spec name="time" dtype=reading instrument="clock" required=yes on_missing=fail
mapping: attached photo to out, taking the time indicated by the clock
12:18
